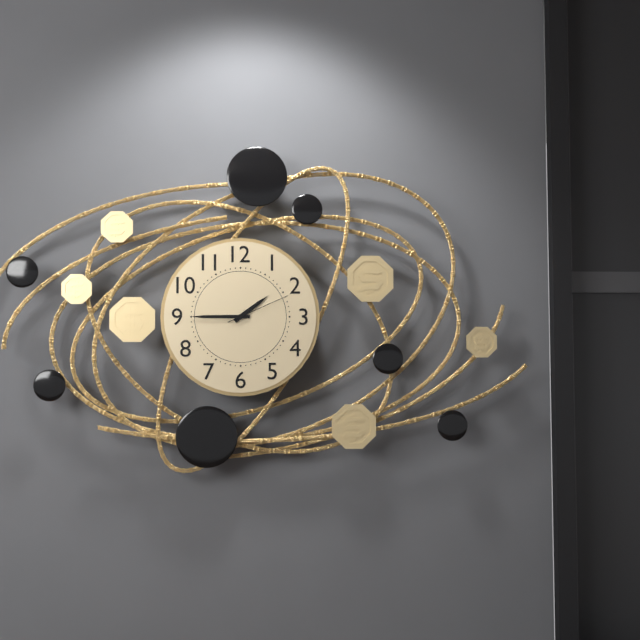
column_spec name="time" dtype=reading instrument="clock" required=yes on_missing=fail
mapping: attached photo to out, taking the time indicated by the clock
1:45:11
